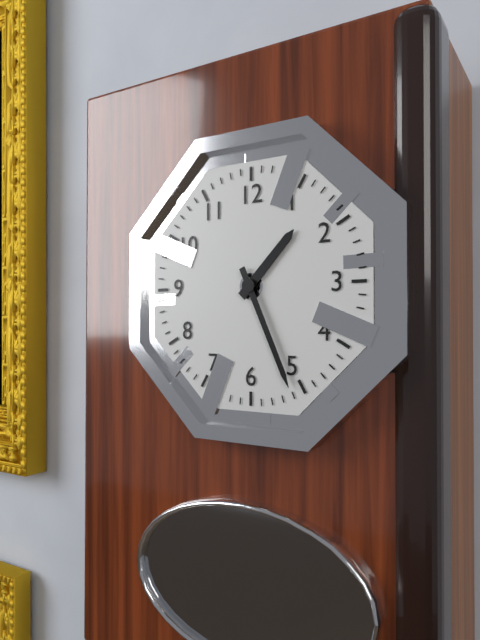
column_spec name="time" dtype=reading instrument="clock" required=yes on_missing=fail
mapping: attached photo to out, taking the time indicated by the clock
1:26
